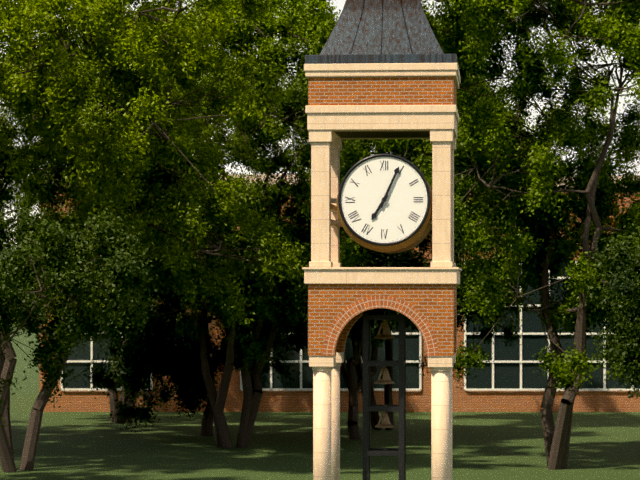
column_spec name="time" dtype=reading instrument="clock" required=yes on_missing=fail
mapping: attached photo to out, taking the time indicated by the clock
7:04
